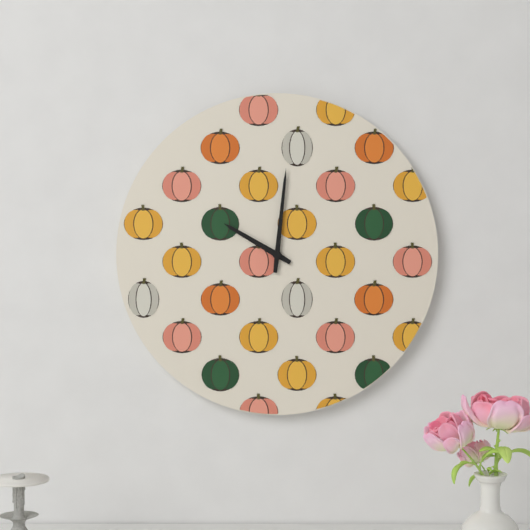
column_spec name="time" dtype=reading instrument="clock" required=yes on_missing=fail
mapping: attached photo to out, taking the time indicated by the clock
10:01
